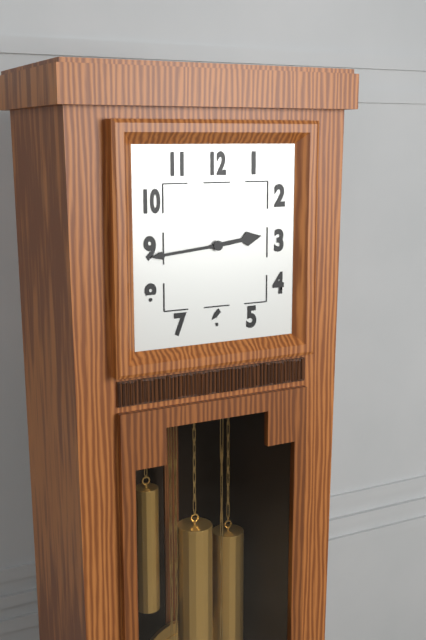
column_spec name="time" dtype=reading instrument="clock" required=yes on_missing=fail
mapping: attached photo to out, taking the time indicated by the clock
2:44
